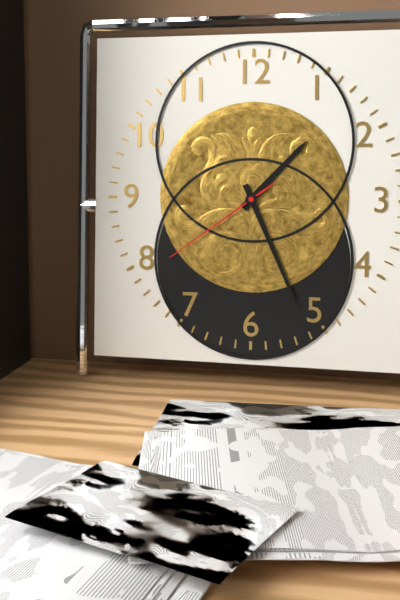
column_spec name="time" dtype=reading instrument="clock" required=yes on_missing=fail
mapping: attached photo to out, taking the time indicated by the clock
1:26:39
